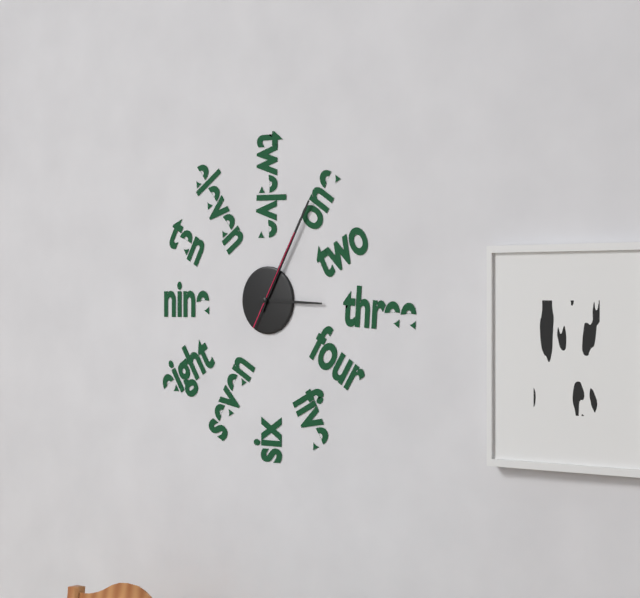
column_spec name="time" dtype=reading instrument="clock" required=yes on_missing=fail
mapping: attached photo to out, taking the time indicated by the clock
3:05:05
